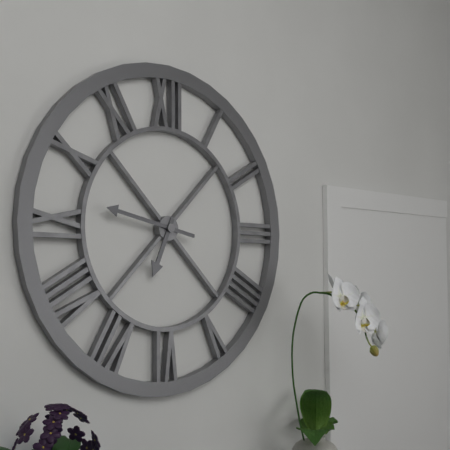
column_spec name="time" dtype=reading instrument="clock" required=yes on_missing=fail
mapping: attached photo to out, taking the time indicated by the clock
6:47
